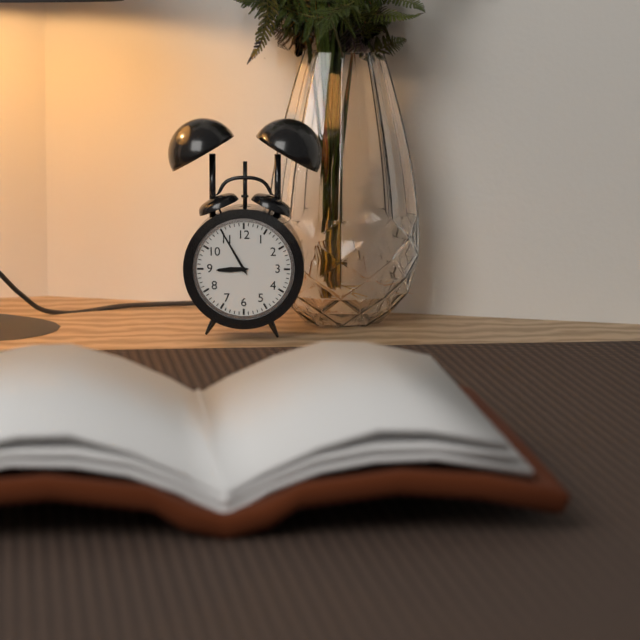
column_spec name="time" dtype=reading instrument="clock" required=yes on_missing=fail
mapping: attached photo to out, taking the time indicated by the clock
8:55
